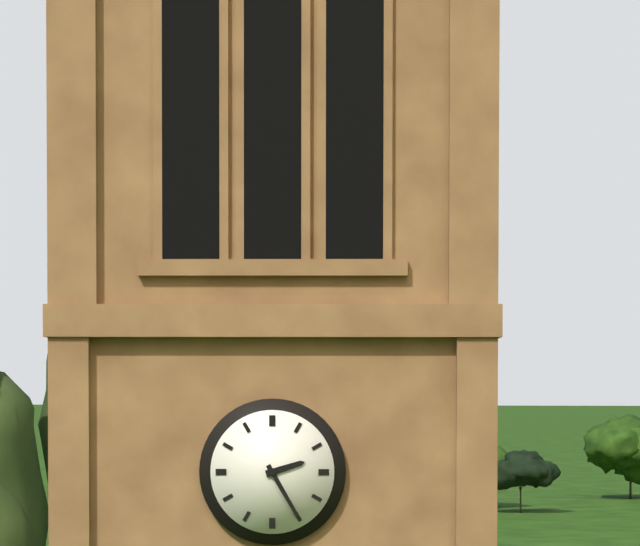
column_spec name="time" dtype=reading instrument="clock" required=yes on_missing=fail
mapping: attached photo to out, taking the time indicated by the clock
2:25
